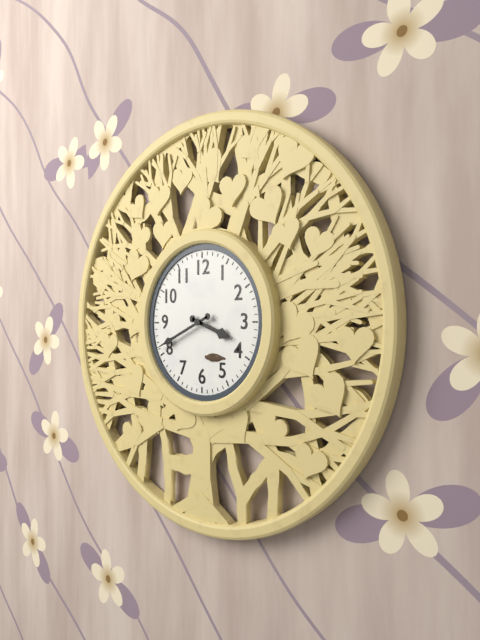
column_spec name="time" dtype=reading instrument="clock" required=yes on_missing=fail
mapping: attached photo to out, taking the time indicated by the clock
3:41
